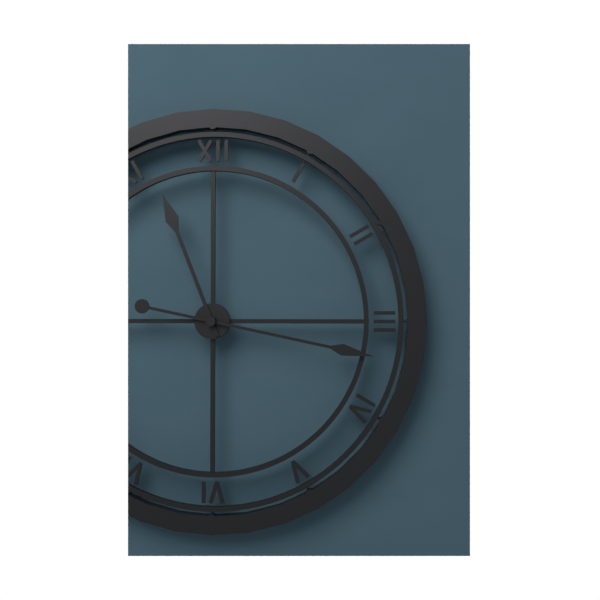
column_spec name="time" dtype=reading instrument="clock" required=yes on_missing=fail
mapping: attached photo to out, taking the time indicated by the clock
11:17
